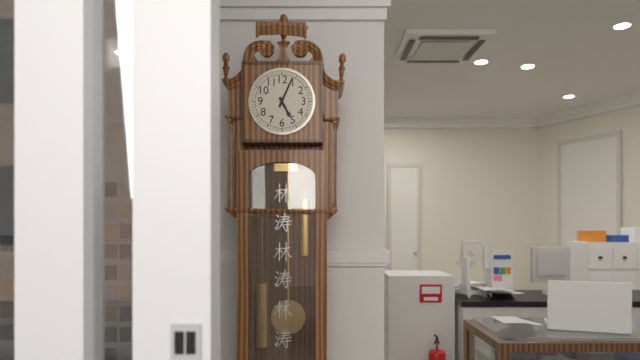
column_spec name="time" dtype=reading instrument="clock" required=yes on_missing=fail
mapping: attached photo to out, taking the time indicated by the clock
5:04
